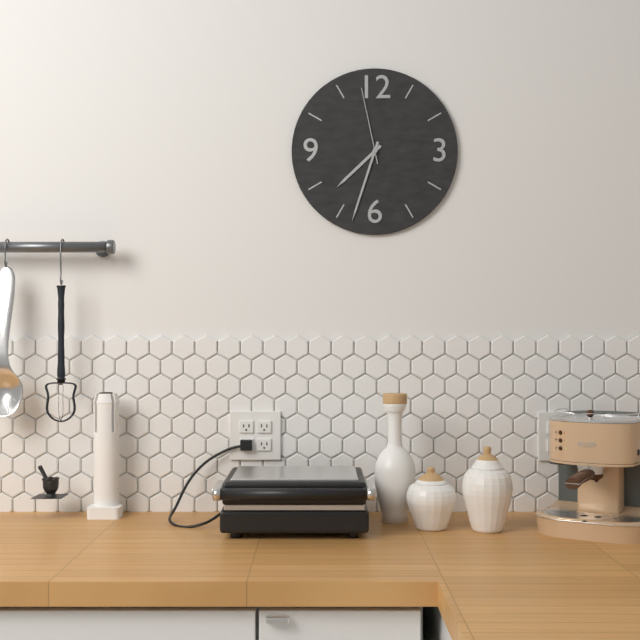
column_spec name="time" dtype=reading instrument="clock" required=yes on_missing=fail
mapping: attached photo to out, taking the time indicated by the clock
7:33:58
